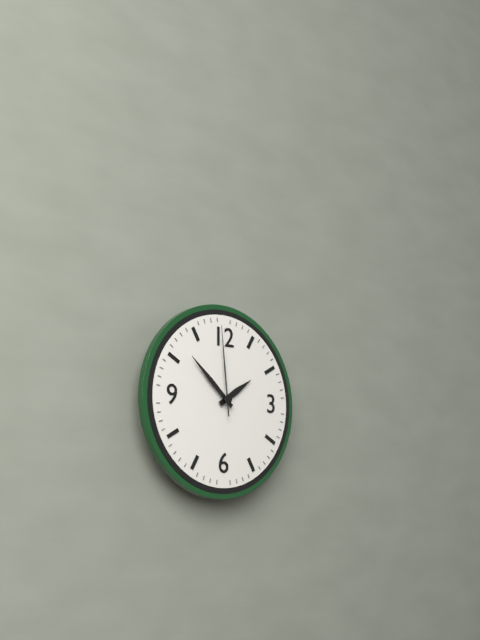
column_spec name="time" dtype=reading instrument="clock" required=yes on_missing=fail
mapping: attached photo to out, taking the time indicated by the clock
1:52:59
